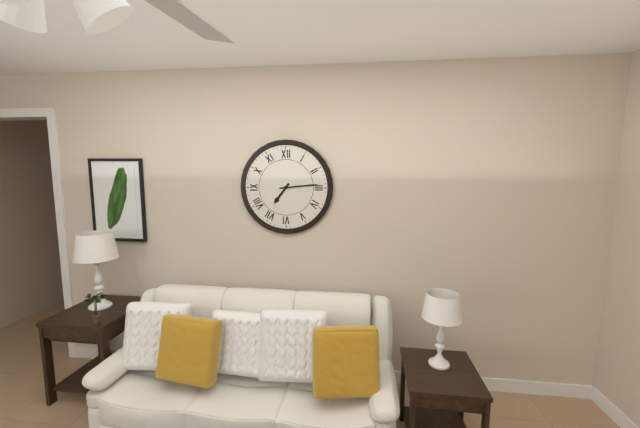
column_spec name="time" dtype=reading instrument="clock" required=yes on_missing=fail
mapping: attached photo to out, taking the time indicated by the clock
7:14
